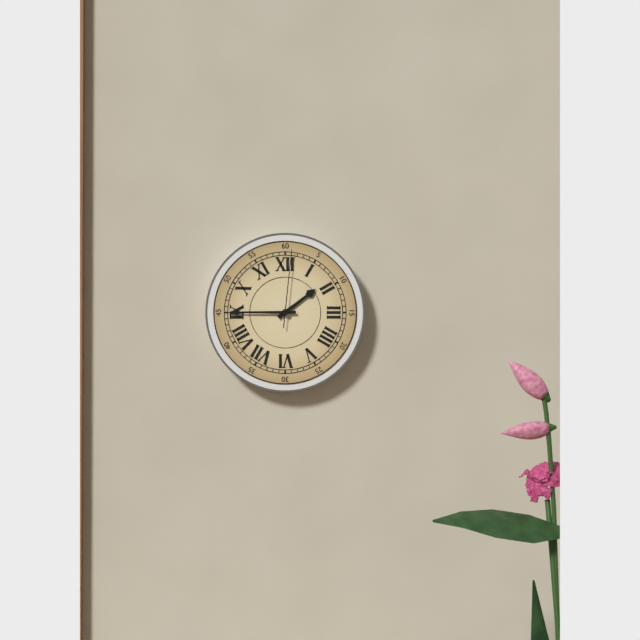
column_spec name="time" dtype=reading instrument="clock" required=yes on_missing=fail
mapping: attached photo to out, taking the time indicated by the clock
1:45:01
